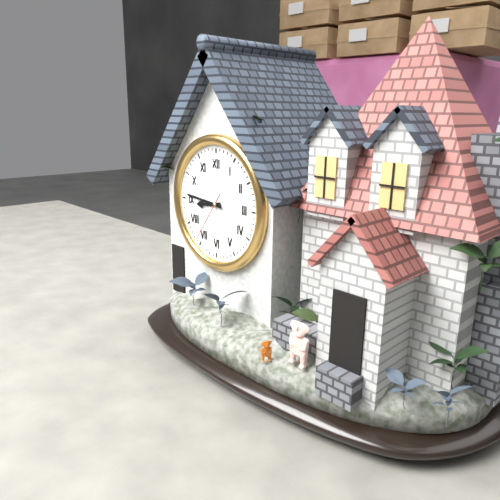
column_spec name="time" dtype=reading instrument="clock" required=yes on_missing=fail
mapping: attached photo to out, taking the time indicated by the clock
8:46
